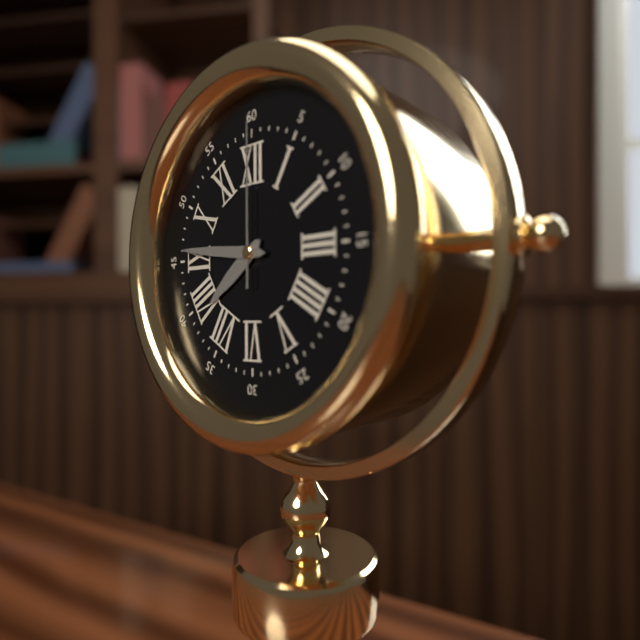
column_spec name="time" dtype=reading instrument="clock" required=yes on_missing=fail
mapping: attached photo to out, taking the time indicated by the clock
7:46:00
